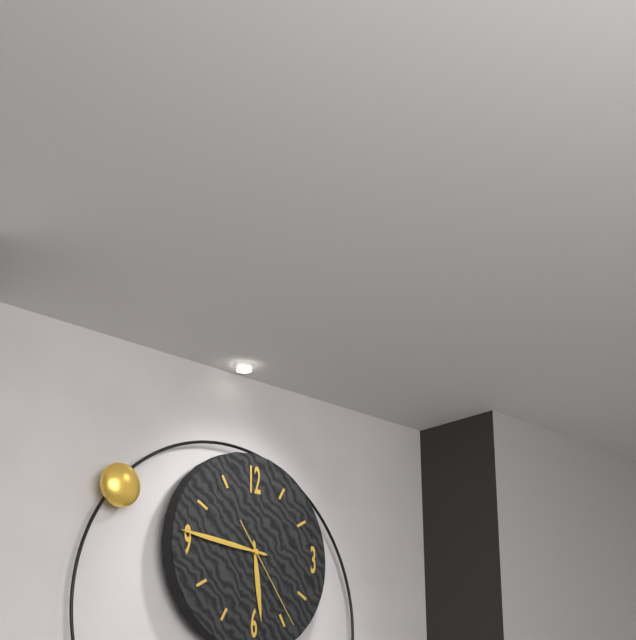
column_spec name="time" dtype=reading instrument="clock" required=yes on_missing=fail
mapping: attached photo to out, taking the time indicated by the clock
5:46:24
